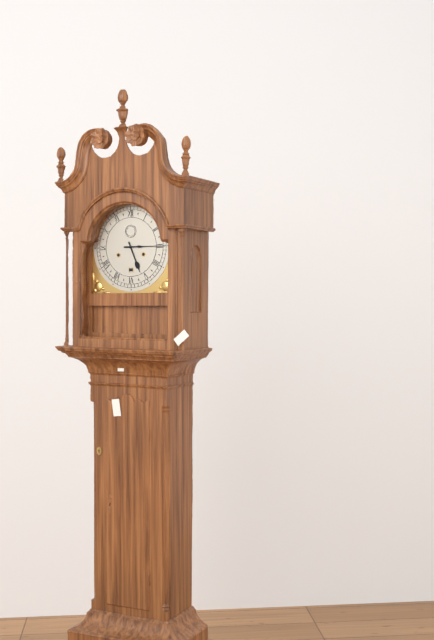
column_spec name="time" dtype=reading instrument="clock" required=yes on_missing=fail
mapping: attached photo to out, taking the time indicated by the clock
5:15
